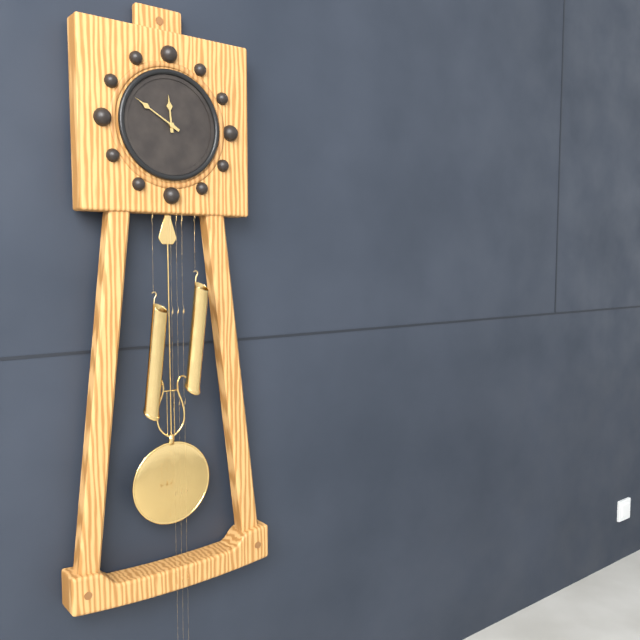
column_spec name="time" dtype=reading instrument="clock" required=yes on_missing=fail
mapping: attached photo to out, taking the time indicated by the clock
11:50
